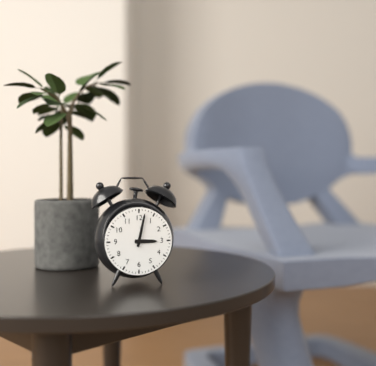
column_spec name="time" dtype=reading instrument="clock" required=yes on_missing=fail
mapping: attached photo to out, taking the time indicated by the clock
3:02
